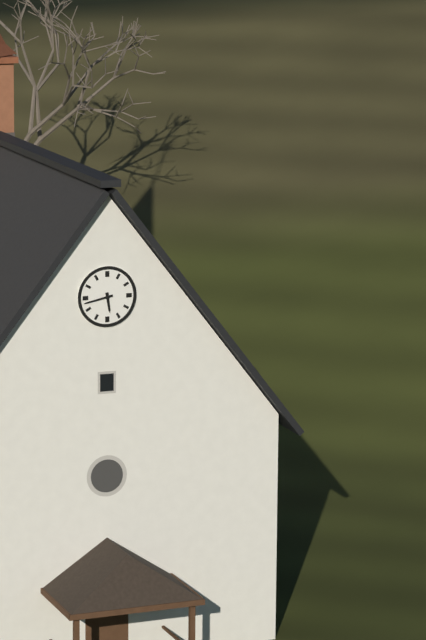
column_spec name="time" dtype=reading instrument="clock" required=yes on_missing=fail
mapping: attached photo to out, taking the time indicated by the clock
5:43
